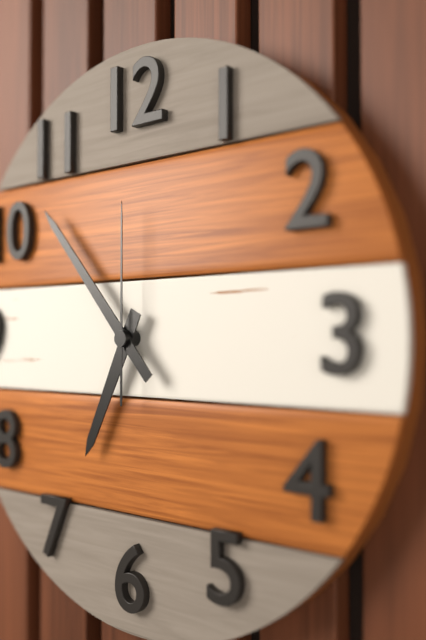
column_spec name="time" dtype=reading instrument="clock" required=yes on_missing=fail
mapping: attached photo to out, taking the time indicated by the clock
6:53:00
